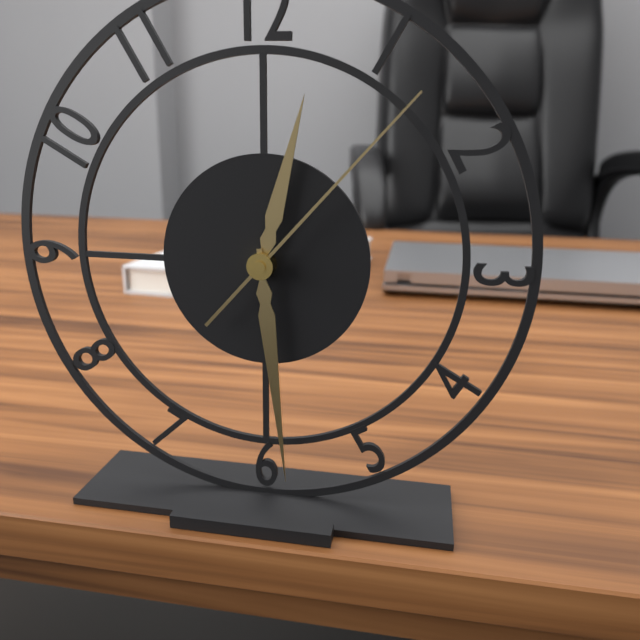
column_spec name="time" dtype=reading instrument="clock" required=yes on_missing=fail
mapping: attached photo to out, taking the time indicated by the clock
12:29:07
